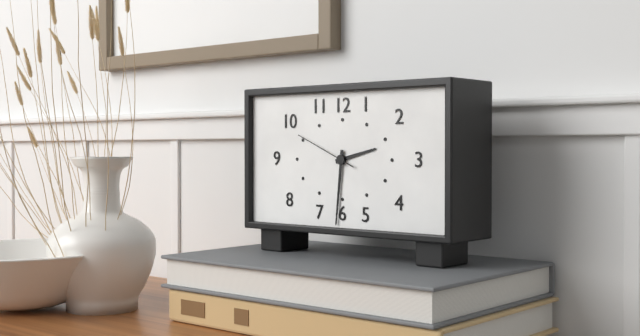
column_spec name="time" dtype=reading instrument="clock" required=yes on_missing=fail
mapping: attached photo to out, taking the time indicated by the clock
2:31:49
